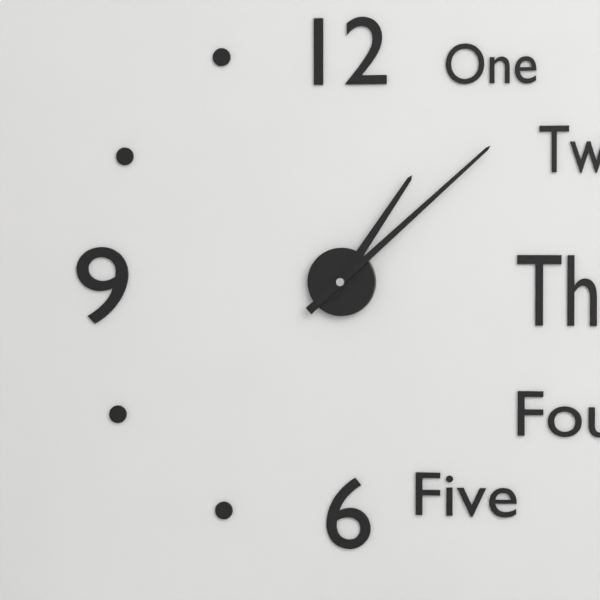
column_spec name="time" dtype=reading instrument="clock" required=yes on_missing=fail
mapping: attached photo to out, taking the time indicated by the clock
1:08
